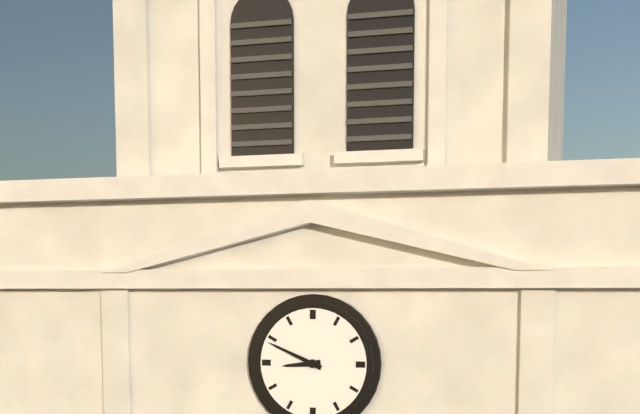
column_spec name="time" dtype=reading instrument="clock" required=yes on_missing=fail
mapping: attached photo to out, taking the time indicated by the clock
8:49
